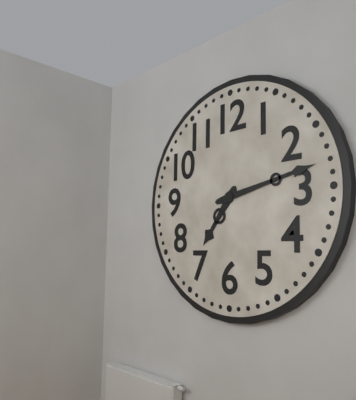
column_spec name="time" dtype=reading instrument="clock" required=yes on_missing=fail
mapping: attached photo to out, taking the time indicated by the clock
7:13
